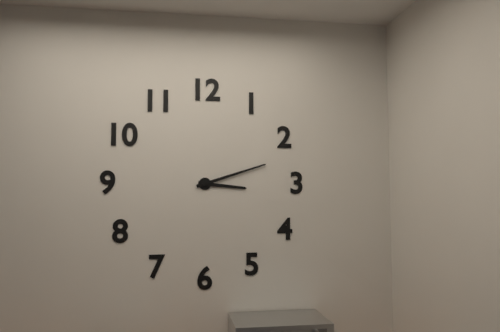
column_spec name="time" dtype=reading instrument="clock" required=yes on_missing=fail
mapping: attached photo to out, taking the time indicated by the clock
3:12
